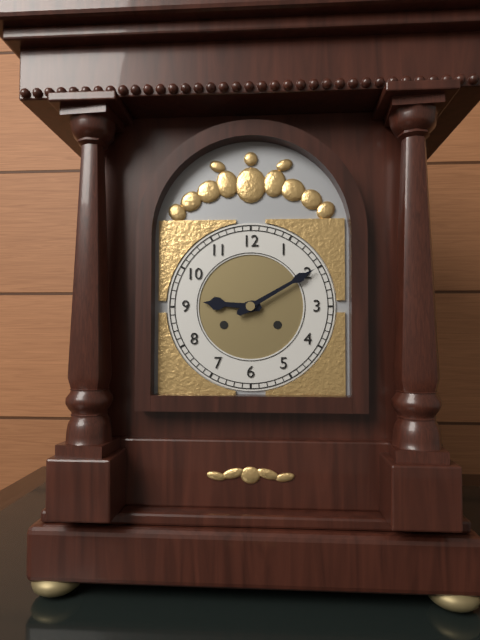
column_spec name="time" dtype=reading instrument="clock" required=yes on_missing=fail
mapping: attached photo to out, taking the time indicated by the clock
9:10
